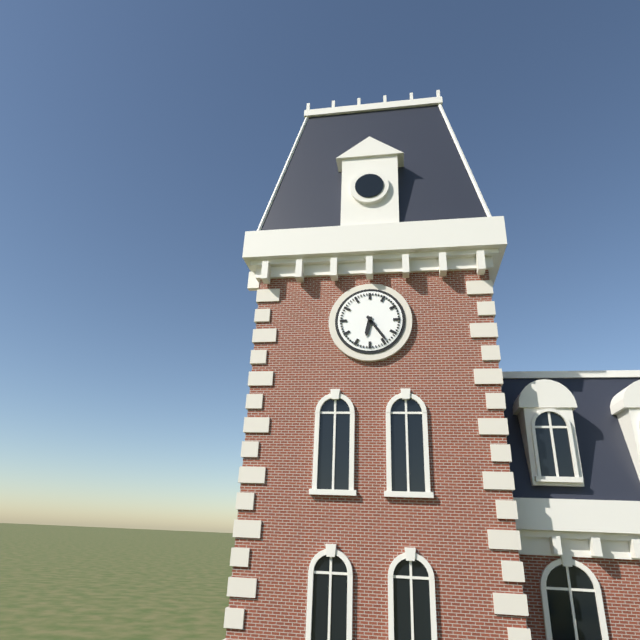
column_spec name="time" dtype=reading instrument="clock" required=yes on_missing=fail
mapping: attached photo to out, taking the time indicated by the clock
6:24
